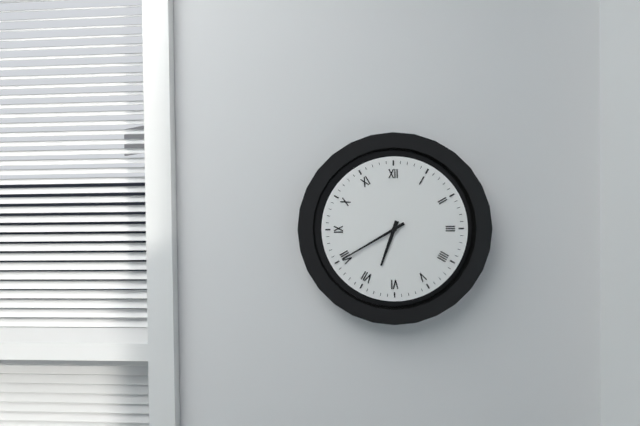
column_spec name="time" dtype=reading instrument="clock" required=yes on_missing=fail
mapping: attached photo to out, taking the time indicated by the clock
6:40
